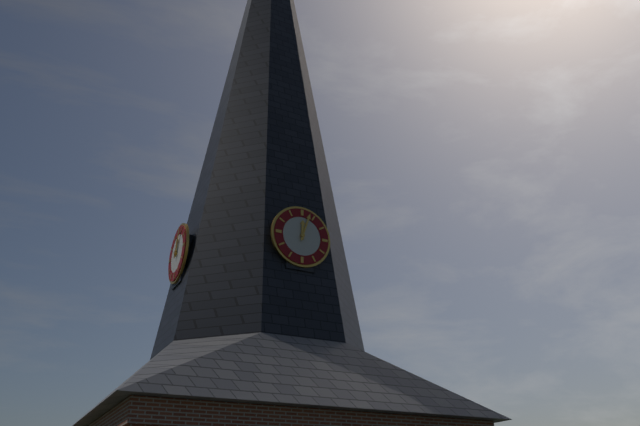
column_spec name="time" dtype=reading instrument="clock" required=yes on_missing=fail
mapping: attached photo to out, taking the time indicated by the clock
12:03
